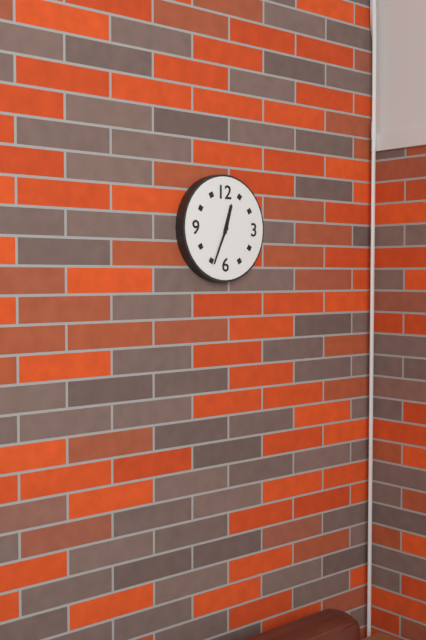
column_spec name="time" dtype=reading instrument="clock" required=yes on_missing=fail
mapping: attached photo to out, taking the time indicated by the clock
12:34
